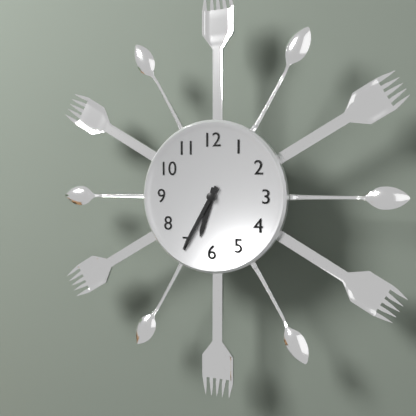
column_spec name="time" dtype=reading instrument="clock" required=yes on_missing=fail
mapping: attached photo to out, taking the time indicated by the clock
6:35
